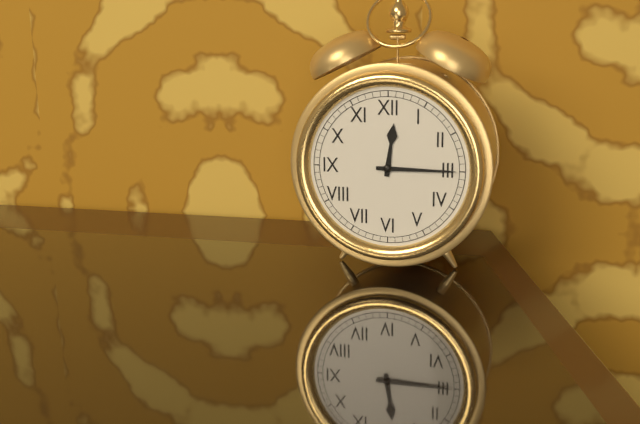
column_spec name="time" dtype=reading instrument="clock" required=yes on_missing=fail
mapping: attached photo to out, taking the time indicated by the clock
12:15
